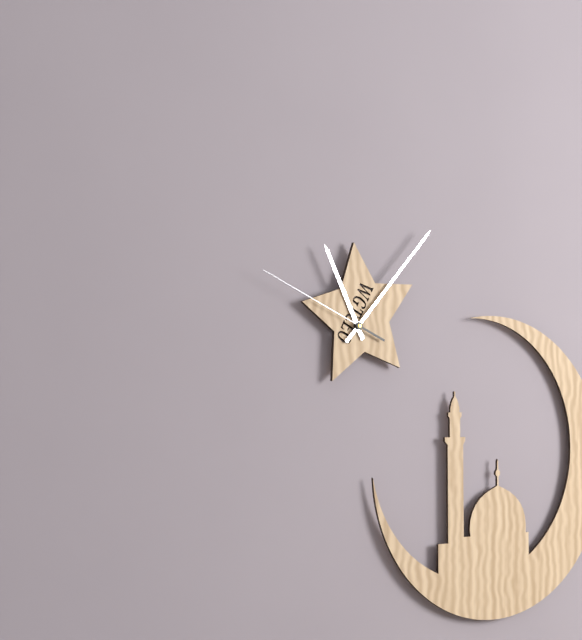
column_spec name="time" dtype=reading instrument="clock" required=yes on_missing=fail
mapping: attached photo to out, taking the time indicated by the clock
11:07:49
